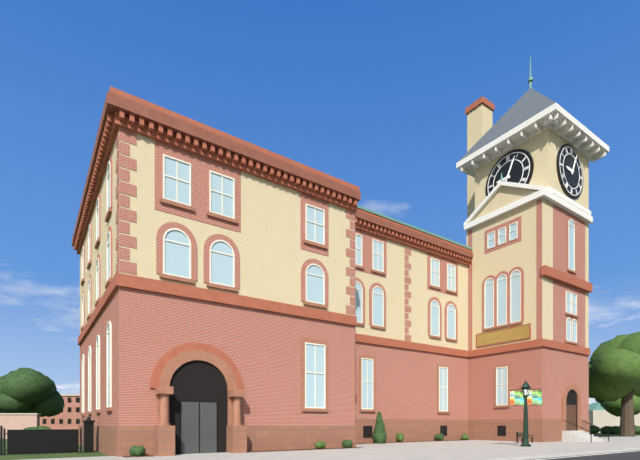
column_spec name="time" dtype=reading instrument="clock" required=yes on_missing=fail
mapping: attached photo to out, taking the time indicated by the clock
9:04
